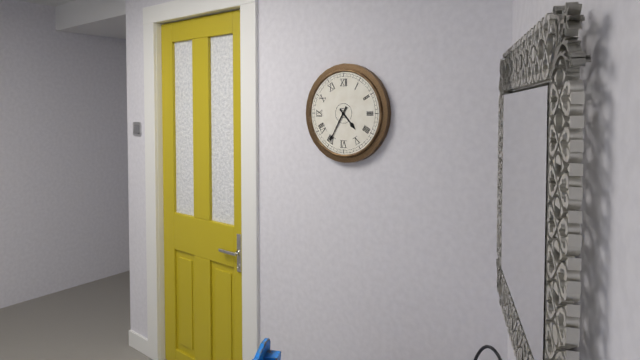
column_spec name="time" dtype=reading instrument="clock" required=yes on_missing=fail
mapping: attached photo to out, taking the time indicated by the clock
4:35
